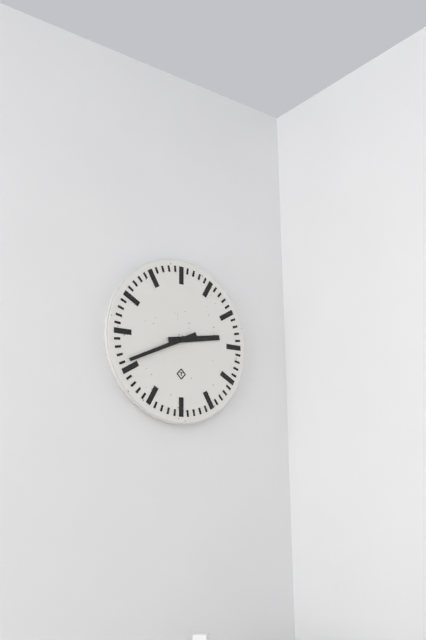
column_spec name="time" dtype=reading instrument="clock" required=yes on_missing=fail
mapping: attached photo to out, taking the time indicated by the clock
2:41
